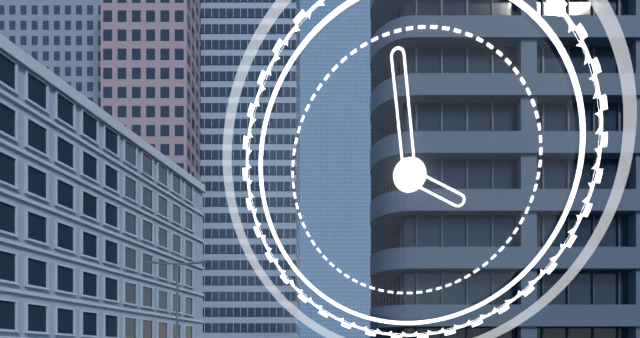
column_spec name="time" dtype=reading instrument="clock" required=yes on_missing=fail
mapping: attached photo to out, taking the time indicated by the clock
3:59
